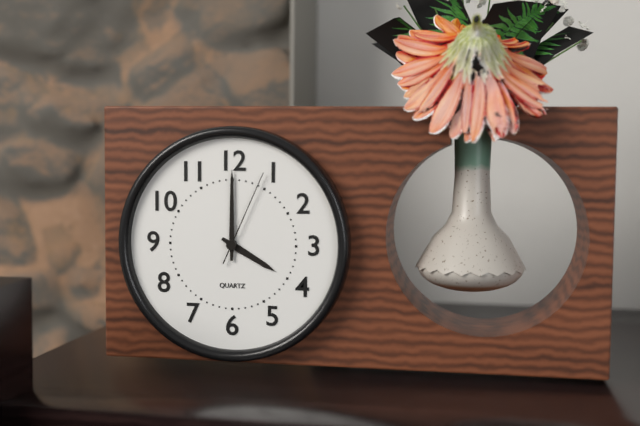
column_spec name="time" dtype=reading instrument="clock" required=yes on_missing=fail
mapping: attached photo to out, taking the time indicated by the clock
4:00:04
